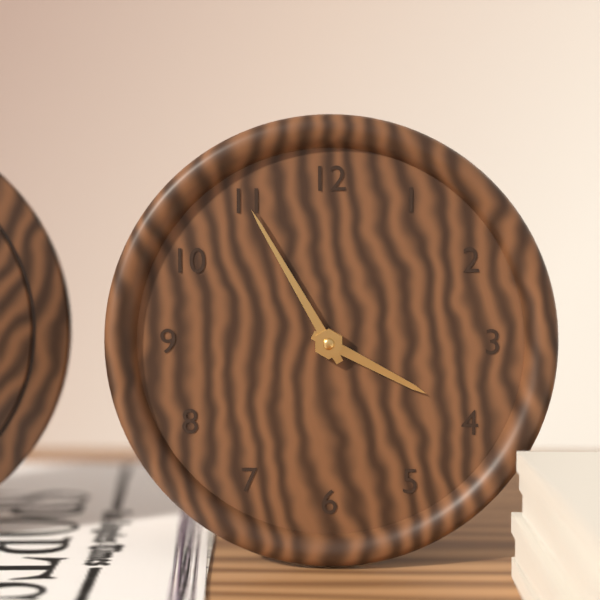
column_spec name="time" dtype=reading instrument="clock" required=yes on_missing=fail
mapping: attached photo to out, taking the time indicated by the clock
3:55
